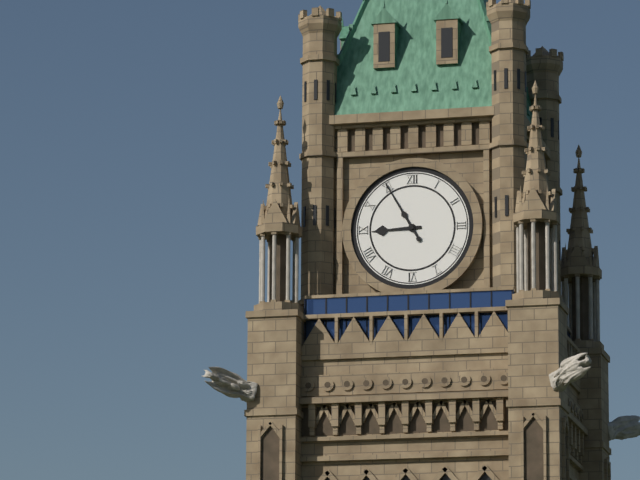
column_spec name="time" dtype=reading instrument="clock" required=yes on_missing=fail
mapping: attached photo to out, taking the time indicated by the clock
8:55
